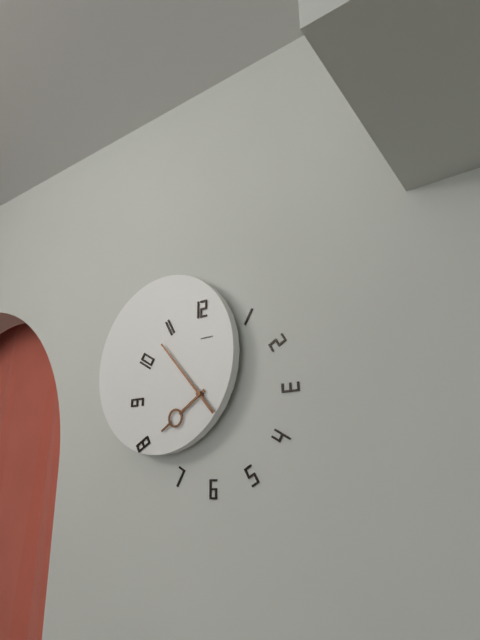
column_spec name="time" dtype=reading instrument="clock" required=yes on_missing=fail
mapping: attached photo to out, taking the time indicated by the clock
7:53
